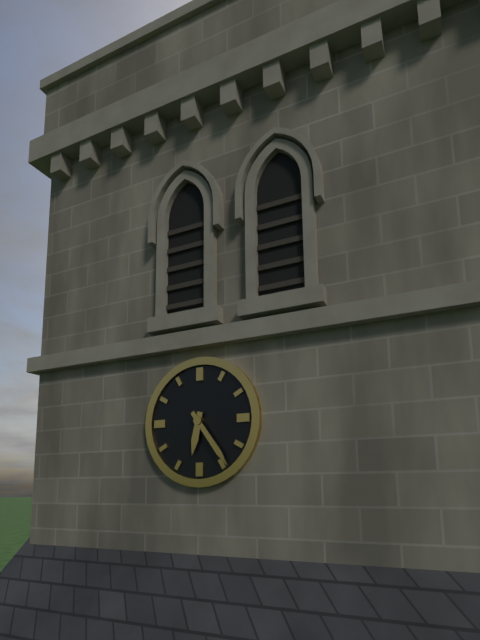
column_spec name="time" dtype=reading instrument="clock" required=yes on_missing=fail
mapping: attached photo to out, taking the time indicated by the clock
6:24
